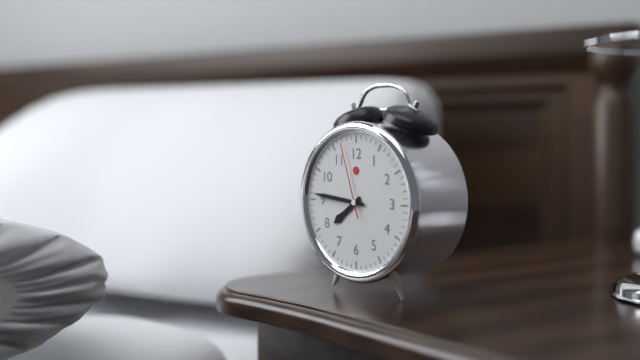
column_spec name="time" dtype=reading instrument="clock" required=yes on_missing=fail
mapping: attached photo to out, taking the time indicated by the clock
7:46:57
